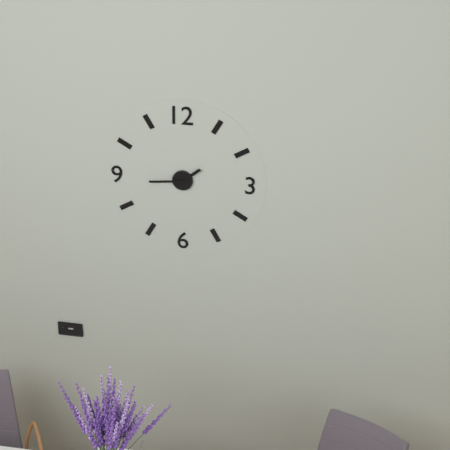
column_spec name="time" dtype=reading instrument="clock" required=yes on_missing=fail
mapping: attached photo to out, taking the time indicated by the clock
1:44
